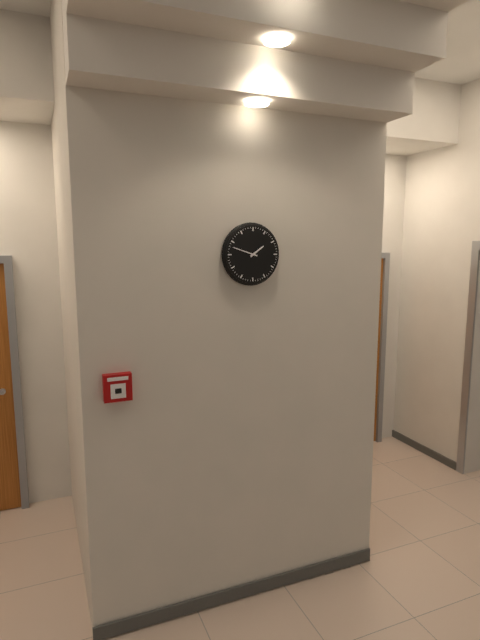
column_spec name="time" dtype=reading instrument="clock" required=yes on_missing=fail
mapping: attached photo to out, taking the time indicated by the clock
1:48
